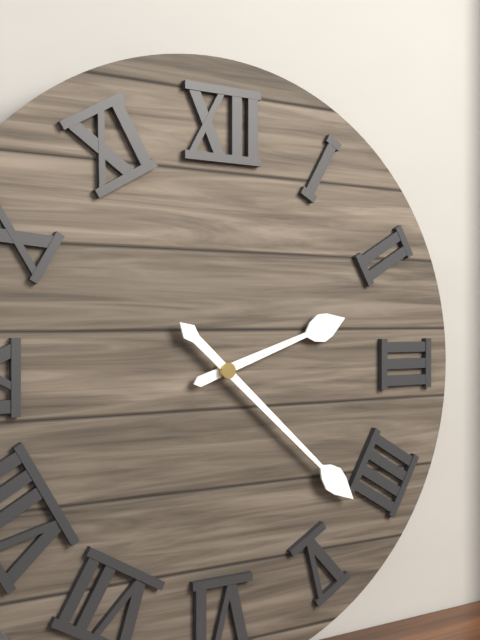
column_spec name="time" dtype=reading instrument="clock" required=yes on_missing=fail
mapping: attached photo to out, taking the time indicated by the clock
2:22
